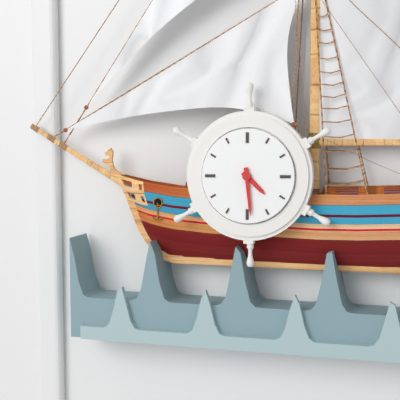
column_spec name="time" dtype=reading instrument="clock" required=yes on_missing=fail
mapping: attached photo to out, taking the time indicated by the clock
4:29
